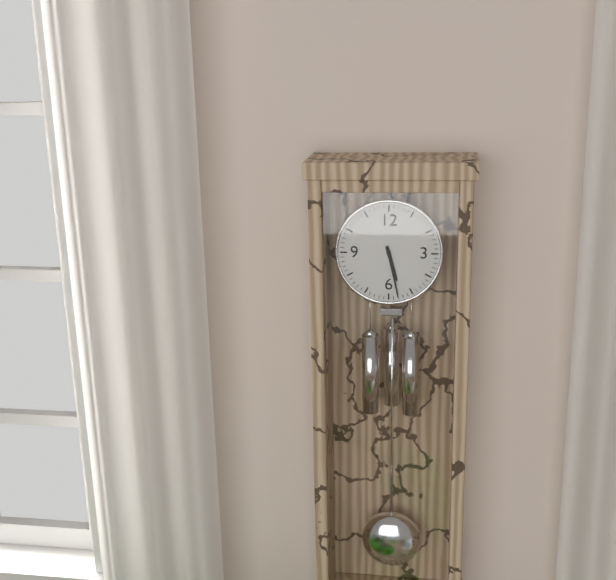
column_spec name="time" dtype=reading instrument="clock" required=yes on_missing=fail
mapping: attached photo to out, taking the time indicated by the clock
5:28
